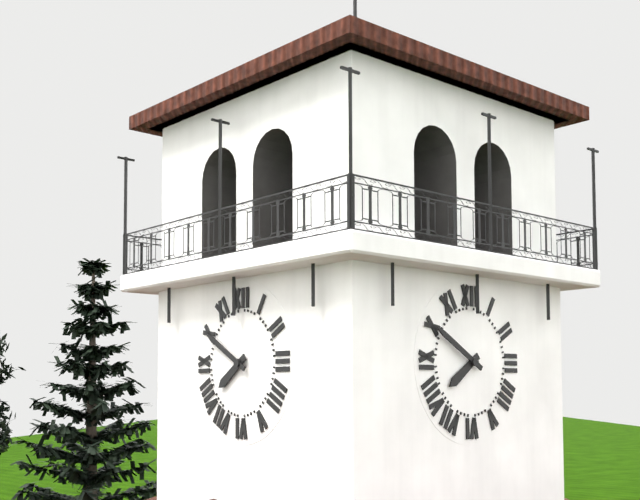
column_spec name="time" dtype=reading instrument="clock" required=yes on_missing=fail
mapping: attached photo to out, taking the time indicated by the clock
7:50
